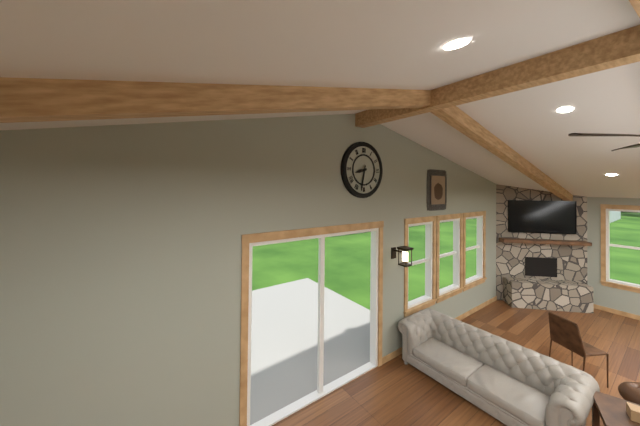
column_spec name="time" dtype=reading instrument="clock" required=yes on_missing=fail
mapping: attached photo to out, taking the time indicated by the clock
8:32
